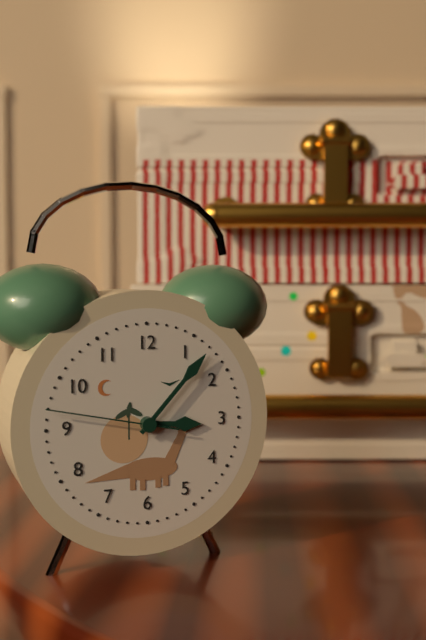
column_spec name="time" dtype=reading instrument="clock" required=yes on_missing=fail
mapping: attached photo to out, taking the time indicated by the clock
3:07:47
